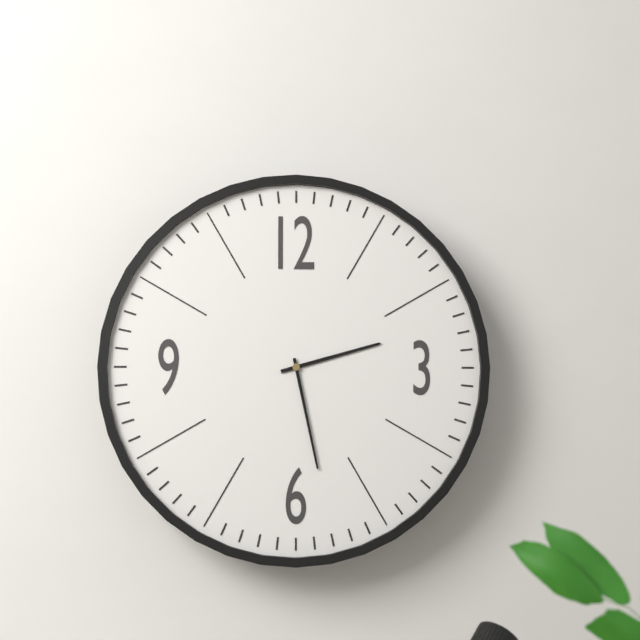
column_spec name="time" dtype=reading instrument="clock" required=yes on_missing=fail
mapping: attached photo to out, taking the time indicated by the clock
2:28
